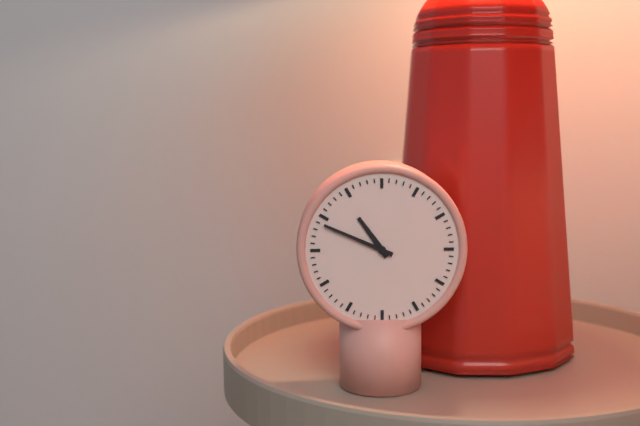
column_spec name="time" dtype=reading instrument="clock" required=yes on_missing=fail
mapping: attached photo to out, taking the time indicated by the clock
10:49
